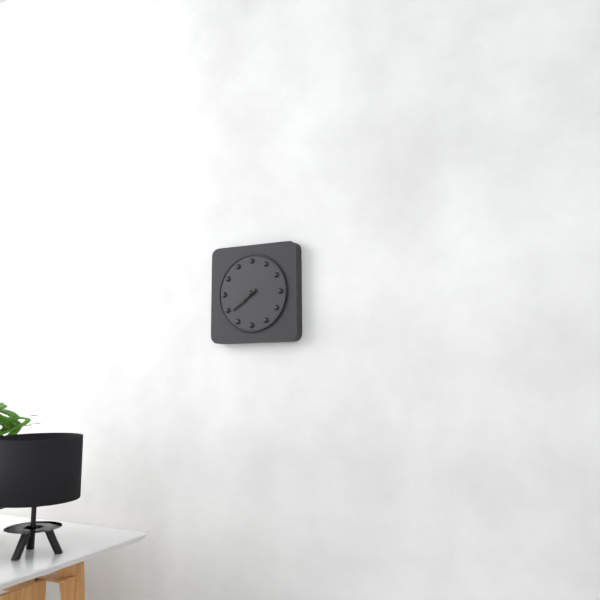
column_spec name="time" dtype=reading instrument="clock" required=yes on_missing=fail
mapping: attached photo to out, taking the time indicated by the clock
7:39
